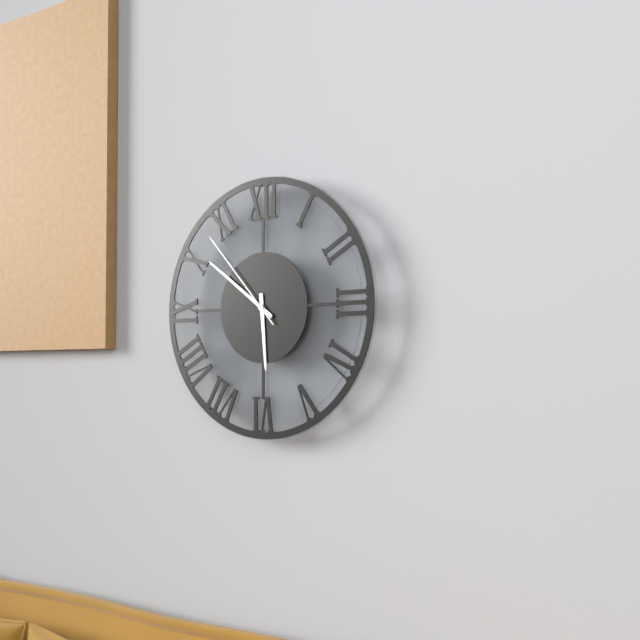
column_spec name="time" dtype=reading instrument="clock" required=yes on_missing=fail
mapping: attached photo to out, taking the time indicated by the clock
5:51:53
